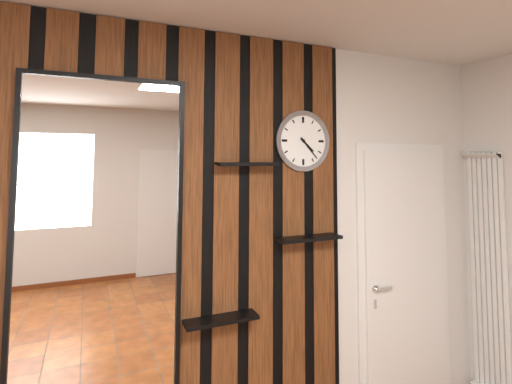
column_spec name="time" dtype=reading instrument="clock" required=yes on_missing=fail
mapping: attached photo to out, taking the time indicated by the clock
4:23
